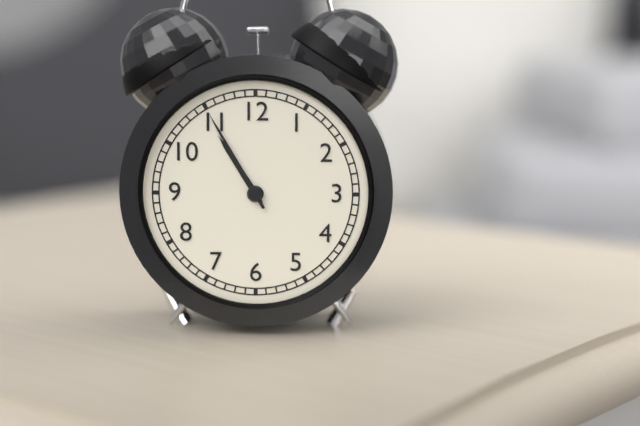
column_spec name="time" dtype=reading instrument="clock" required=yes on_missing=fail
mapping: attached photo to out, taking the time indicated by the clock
10:55
